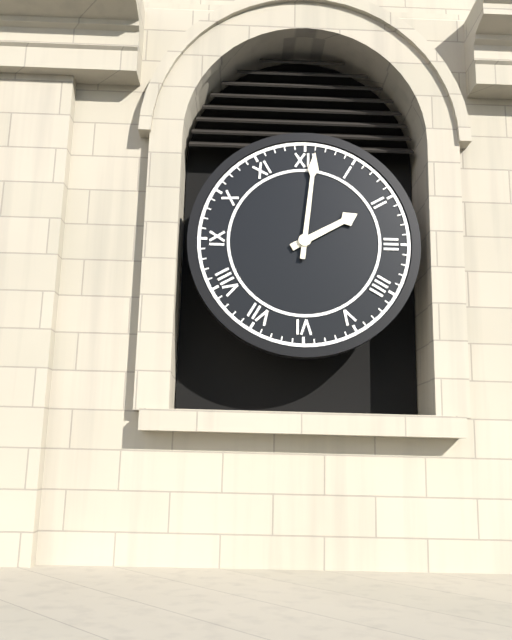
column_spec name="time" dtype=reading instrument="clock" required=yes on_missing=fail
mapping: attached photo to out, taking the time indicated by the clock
2:01
